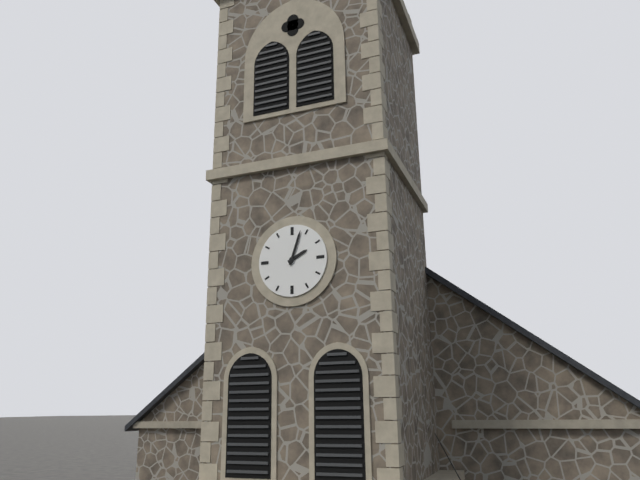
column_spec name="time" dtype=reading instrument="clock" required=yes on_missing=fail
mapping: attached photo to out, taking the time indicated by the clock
2:03
